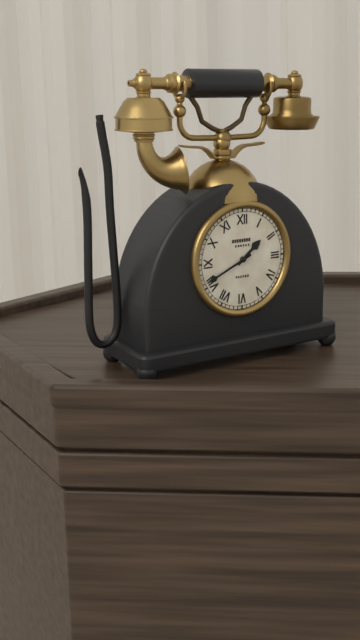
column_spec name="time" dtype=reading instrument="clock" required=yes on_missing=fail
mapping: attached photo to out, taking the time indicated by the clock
1:41
